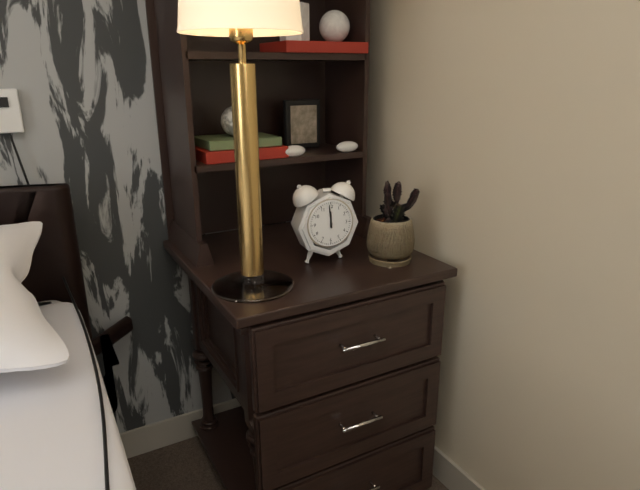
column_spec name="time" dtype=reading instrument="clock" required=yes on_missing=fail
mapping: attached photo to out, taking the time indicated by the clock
11:59
